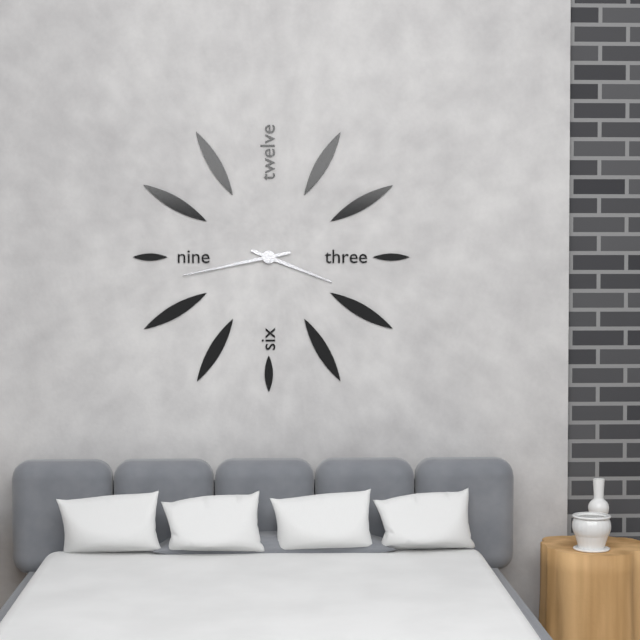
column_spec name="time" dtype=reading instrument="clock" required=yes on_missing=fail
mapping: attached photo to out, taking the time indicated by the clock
3:43
